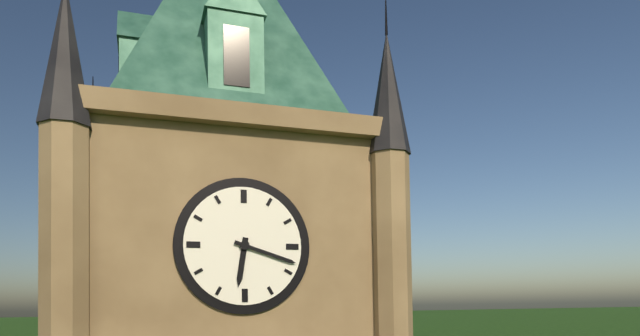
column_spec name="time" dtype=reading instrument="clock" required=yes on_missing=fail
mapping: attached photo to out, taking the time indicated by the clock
6:18
